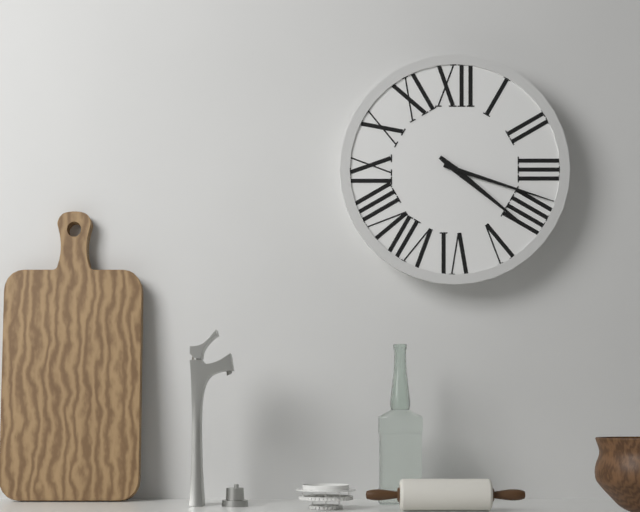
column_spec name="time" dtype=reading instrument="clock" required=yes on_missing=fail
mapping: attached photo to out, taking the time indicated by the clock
4:18
